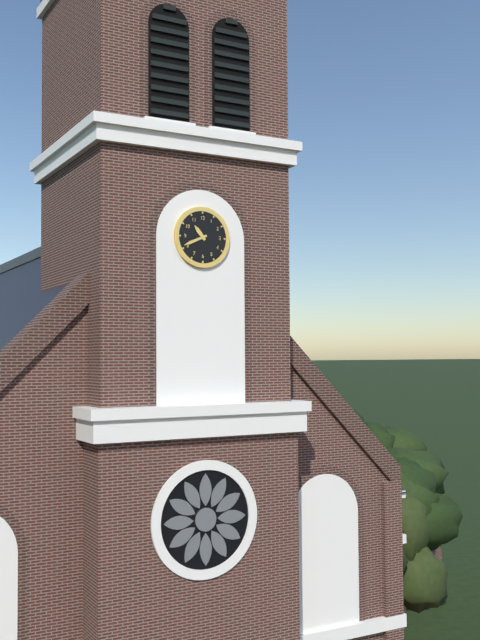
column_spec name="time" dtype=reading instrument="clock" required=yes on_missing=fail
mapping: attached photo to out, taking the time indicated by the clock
10:41
